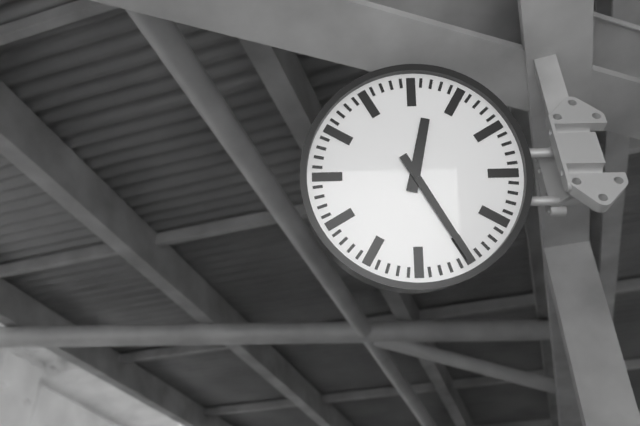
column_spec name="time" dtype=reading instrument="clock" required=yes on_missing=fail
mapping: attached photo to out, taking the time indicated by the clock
12:25
